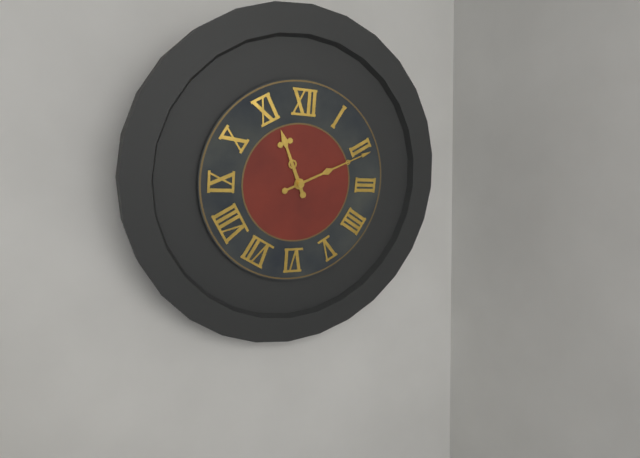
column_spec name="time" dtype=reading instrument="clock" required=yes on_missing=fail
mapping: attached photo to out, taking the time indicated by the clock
11:11
